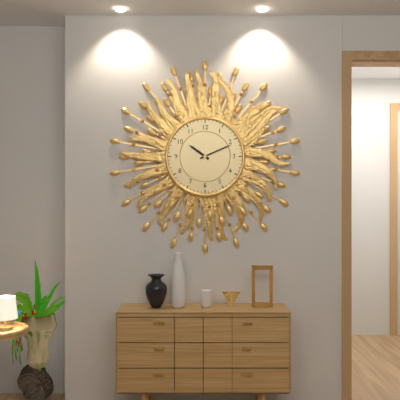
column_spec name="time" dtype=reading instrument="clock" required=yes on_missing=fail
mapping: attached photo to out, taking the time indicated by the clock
10:11
